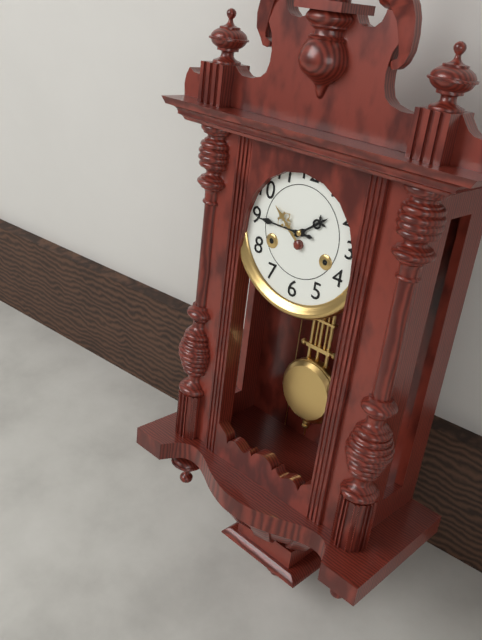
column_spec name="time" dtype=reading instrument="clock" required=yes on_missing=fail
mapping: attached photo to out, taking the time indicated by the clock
1:45
